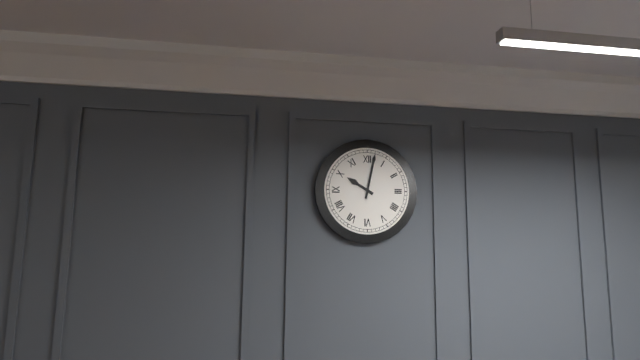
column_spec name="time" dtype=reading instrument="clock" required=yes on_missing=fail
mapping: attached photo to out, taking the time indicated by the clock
10:02
